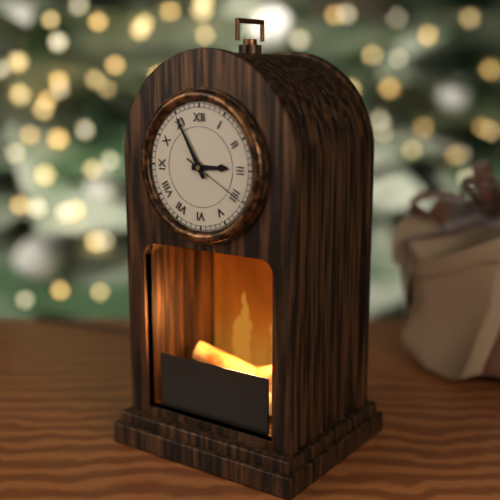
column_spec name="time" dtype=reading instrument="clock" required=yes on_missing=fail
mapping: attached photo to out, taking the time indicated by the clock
2:55:20
